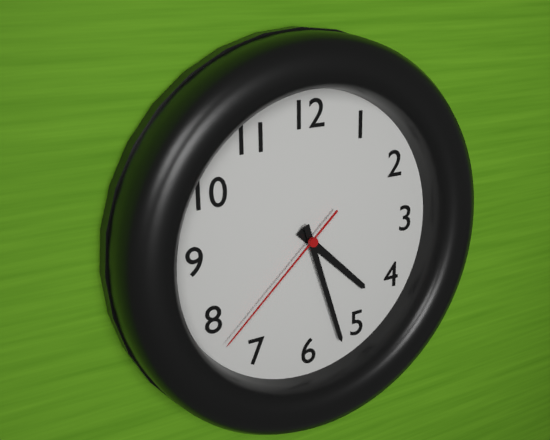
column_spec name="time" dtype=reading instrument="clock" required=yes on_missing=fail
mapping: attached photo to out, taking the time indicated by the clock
4:27:38
